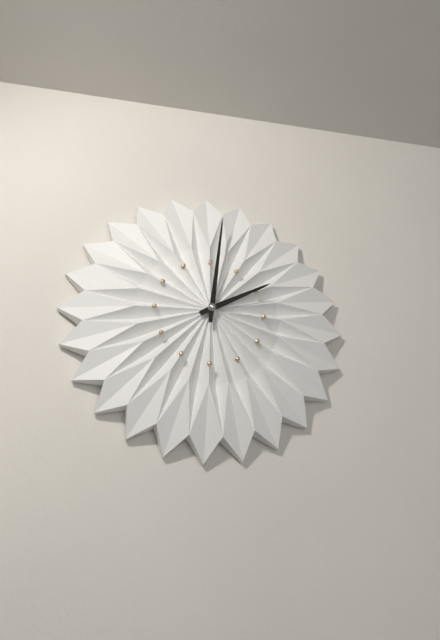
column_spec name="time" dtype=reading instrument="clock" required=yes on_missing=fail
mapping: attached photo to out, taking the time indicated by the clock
2:01
